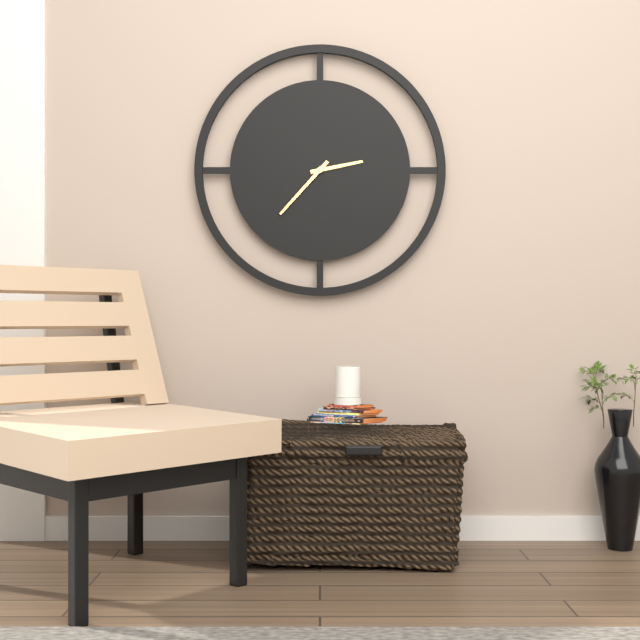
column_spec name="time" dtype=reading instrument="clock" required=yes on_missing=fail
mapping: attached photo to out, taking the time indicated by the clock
2:37
